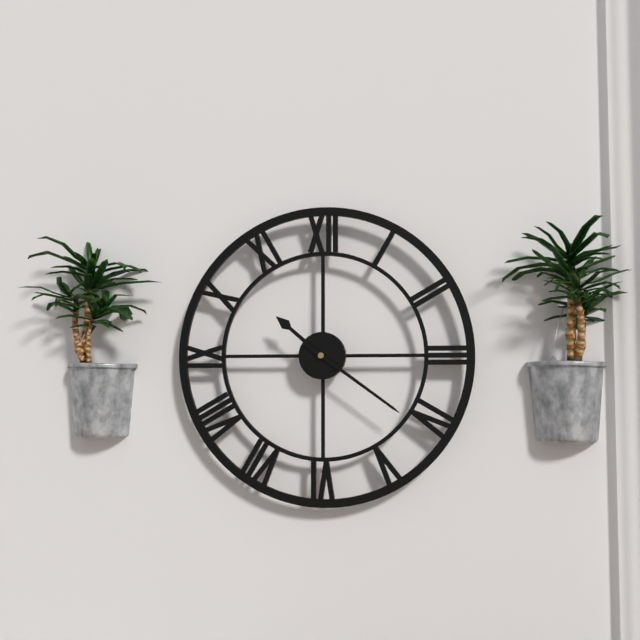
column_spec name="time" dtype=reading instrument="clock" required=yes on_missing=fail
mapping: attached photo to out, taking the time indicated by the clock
10:21
